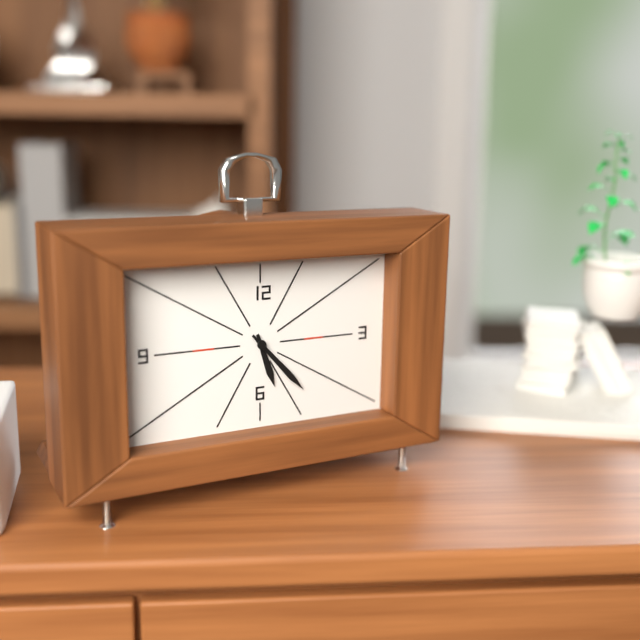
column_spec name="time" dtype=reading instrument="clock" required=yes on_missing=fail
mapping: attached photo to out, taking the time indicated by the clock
5:23
